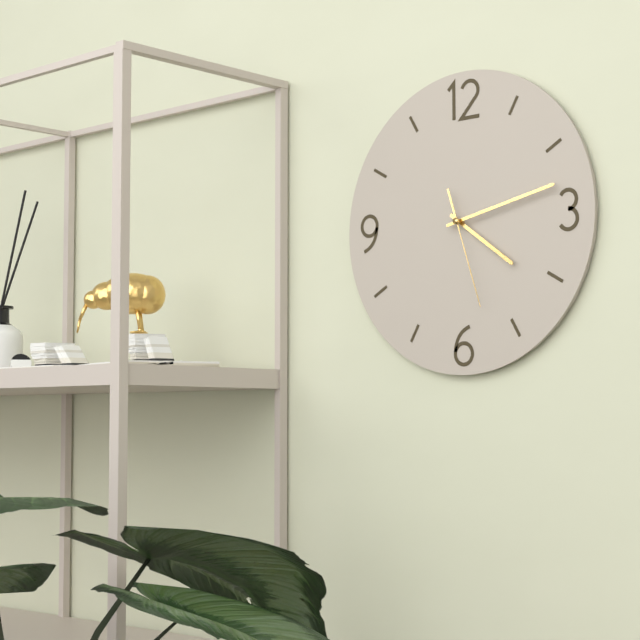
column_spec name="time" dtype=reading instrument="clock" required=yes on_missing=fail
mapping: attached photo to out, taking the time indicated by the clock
4:13:27
